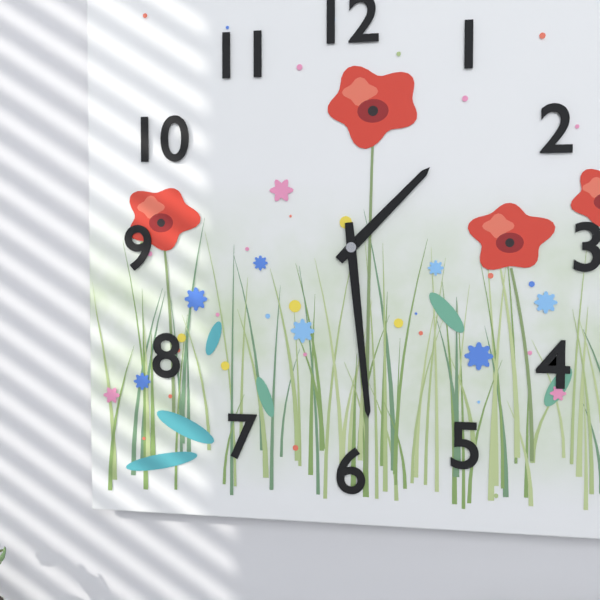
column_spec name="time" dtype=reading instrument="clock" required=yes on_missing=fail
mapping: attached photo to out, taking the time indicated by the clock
1:29
